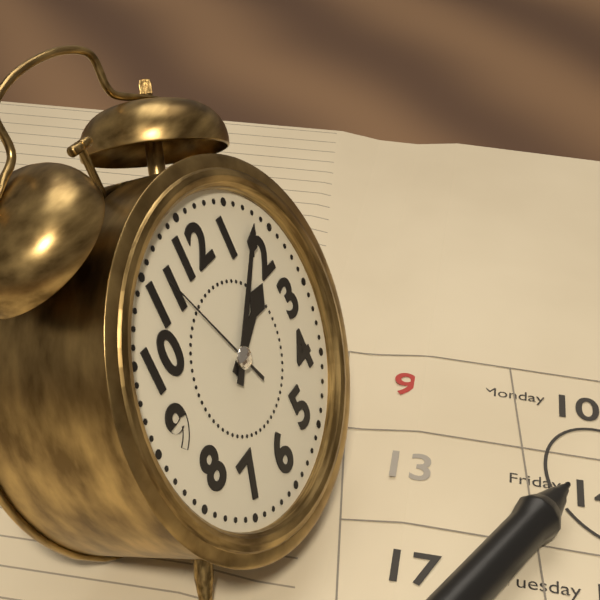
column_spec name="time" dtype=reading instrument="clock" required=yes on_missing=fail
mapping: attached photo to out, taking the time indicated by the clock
2:08:56
